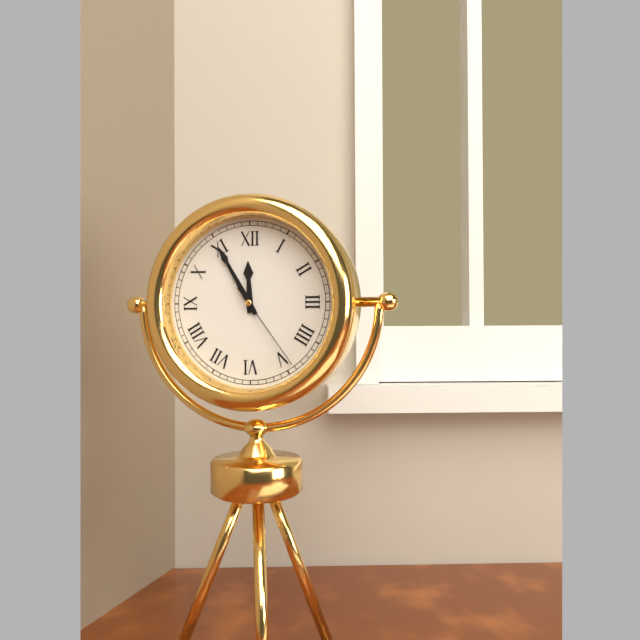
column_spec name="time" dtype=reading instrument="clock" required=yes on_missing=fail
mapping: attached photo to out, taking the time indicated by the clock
11:55:24
